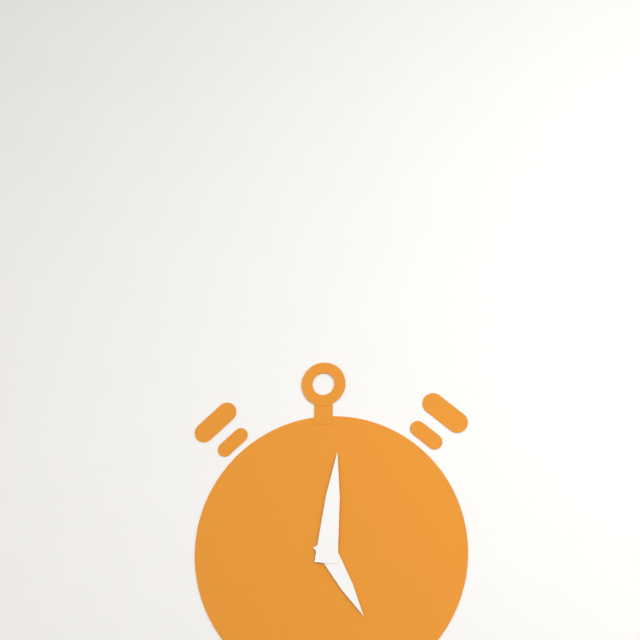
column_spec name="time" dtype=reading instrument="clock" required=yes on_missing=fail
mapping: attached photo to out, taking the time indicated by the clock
5:01
